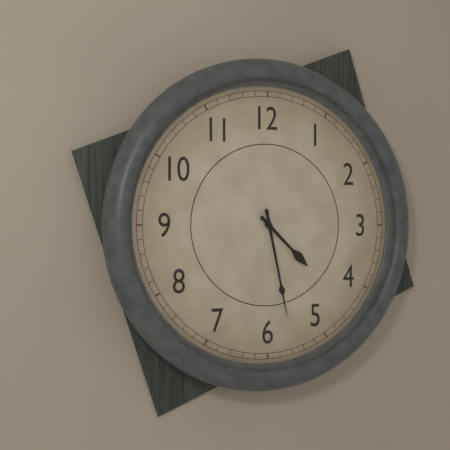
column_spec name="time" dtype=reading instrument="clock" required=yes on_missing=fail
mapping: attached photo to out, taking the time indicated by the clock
4:28
